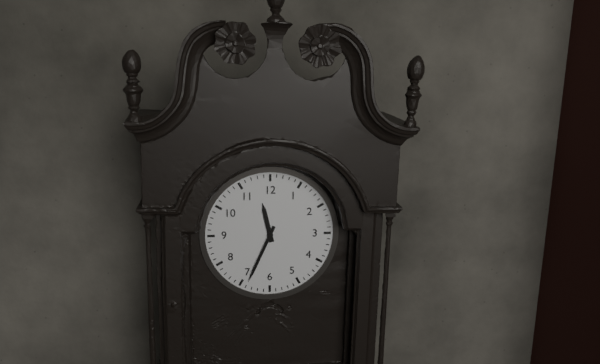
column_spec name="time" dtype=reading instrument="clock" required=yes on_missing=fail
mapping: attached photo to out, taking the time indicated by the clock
11:34
